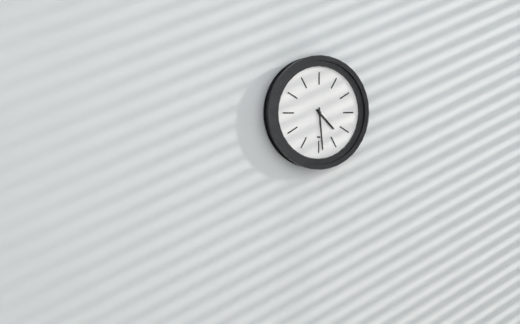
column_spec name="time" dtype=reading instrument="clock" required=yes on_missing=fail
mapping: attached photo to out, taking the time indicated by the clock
4:29
